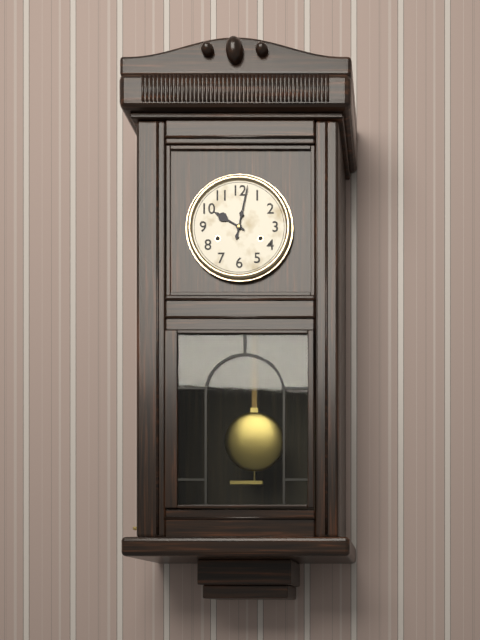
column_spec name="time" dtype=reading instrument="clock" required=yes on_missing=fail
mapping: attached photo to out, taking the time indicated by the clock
10:02
